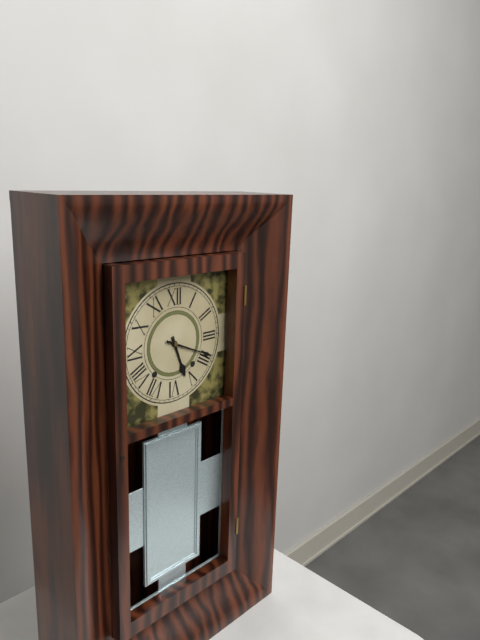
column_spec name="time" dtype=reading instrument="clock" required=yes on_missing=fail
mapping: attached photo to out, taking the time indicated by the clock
5:19
